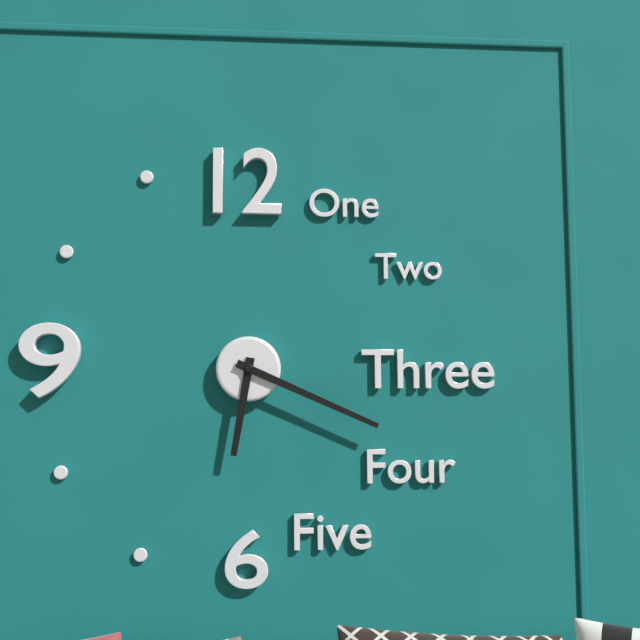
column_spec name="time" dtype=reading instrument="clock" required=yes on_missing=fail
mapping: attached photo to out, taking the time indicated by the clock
6:19
